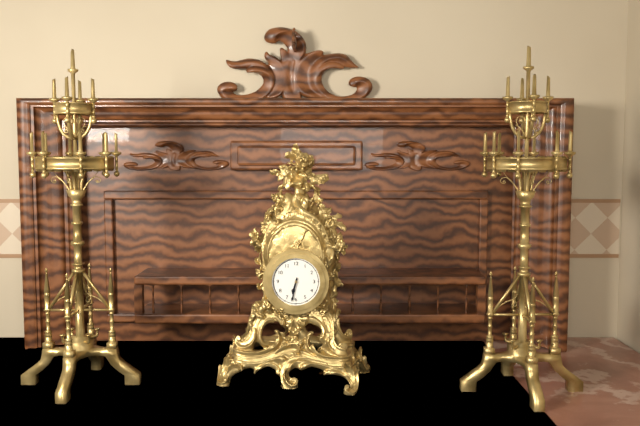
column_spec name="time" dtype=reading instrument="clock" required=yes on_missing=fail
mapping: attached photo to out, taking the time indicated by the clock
6:32
